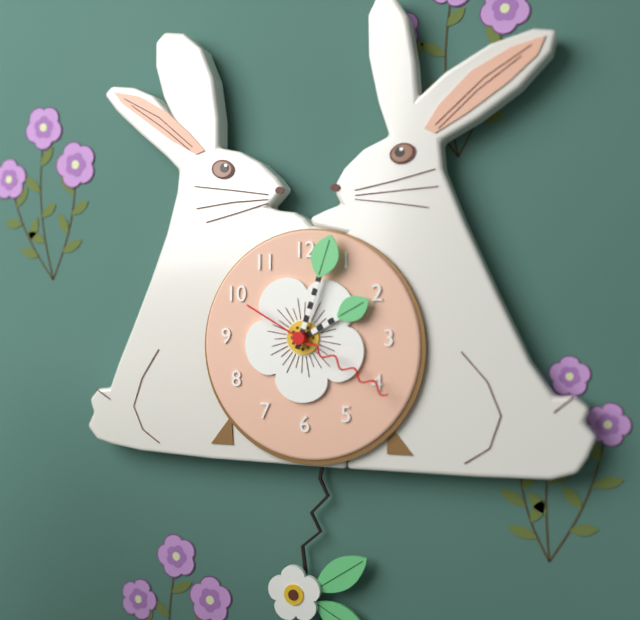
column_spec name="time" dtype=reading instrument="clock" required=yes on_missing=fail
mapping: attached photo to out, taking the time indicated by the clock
2:03:20
